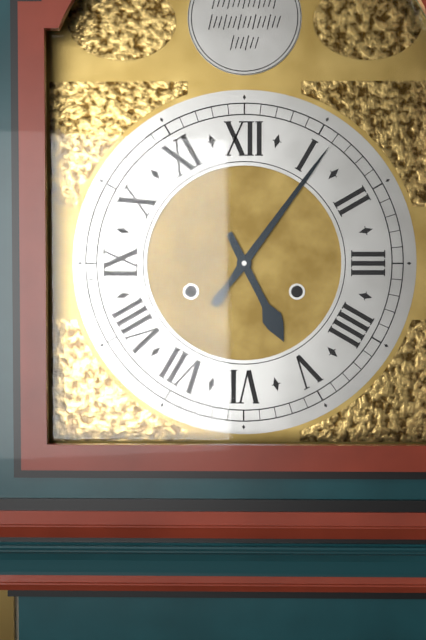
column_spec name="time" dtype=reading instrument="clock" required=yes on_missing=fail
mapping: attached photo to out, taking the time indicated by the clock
5:06
